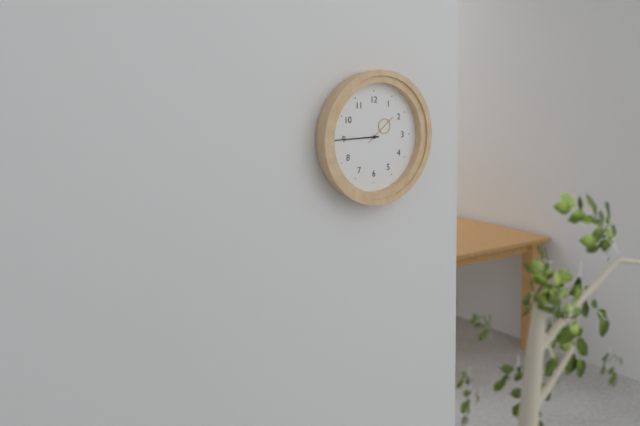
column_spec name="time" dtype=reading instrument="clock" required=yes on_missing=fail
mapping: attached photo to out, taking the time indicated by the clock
1:45
